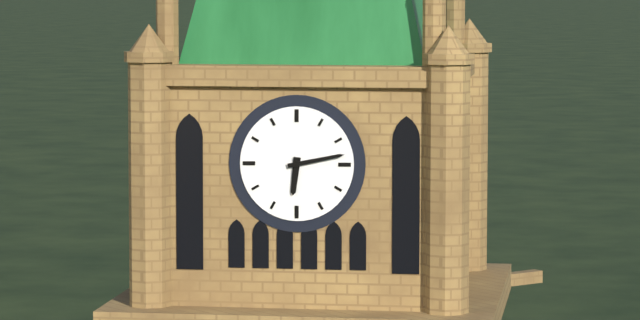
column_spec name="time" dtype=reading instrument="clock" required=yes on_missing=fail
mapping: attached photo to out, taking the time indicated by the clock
6:13
